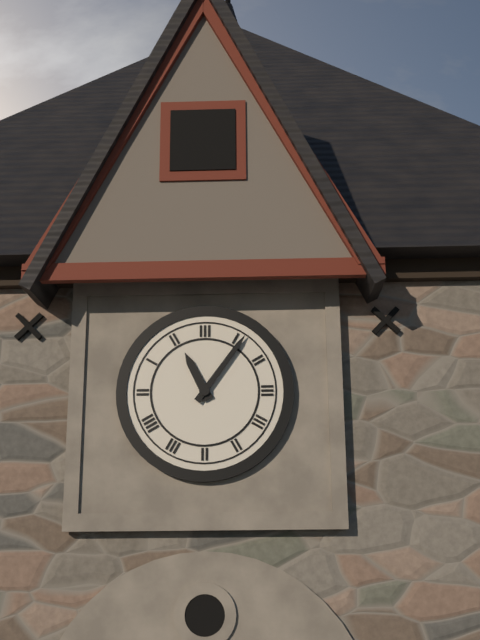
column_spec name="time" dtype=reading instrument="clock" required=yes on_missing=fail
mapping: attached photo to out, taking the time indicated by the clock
11:06
